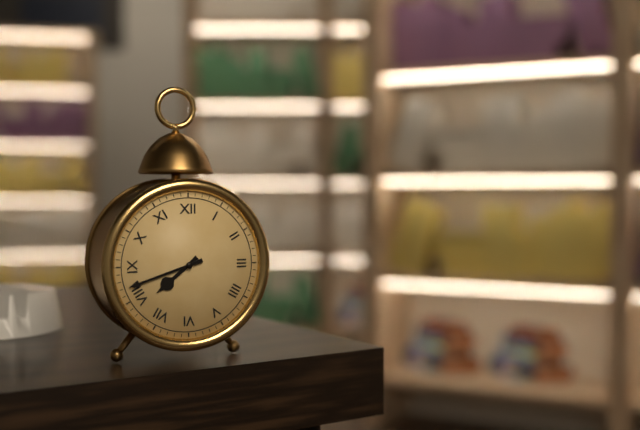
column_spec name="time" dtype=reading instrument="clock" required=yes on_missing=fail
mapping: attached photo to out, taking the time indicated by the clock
7:42
